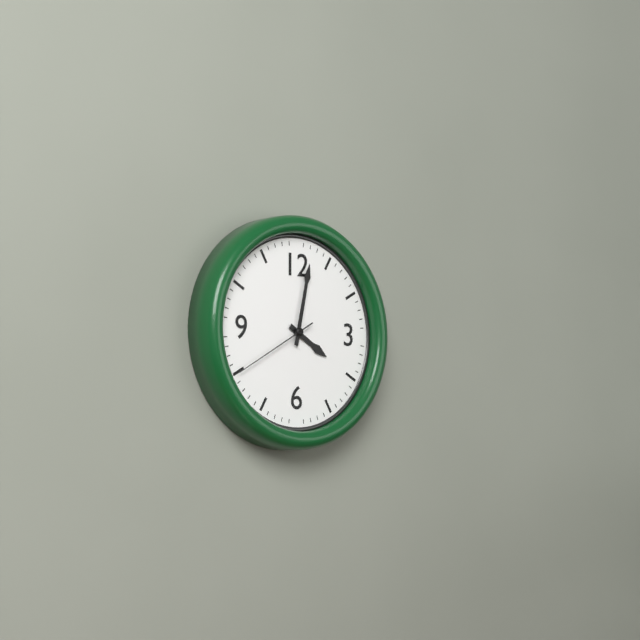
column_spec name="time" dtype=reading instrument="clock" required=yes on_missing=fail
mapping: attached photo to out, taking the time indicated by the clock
4:02:40
